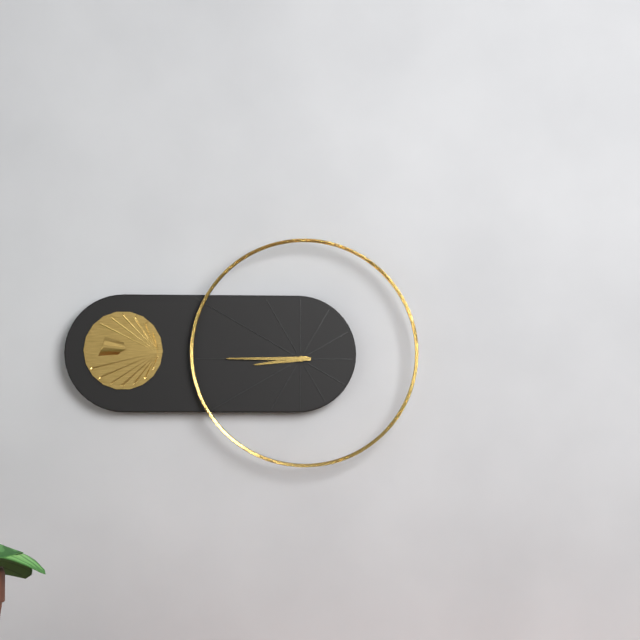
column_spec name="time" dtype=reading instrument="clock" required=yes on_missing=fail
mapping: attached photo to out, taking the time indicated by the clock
8:45
